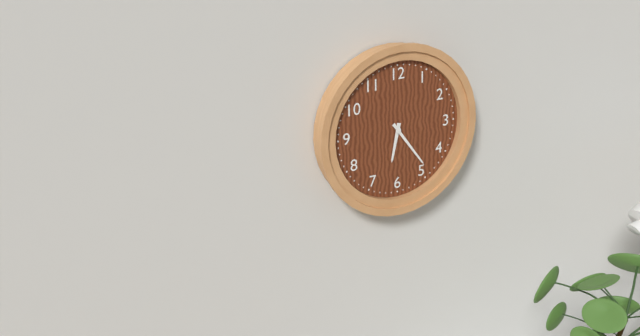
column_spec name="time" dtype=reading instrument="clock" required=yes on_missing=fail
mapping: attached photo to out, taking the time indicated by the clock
6:24
